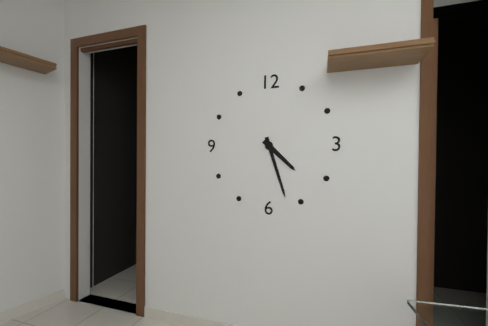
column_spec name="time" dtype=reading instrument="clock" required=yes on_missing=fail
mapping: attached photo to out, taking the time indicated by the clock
4:27
